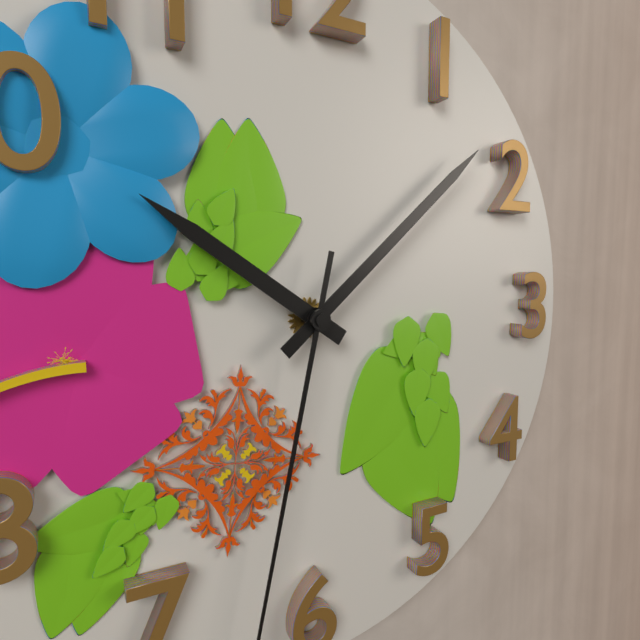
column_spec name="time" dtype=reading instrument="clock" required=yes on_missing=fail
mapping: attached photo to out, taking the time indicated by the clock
10:08
